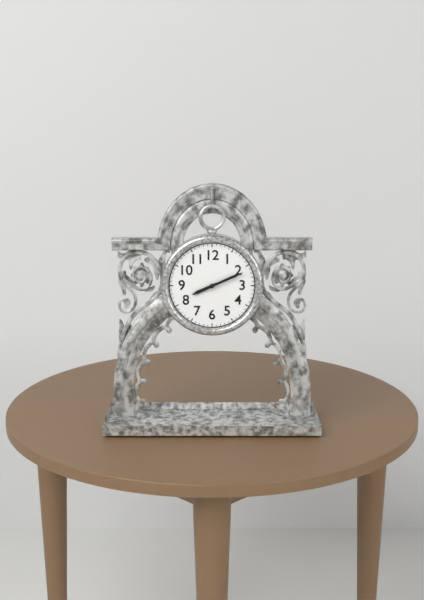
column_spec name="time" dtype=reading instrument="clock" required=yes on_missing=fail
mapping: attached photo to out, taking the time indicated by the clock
8:11
